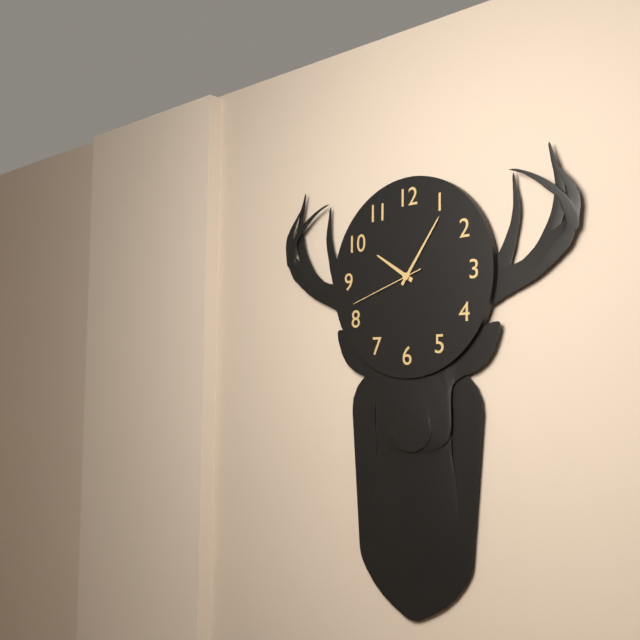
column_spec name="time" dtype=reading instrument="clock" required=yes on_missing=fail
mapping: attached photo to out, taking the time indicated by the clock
10:06:42
